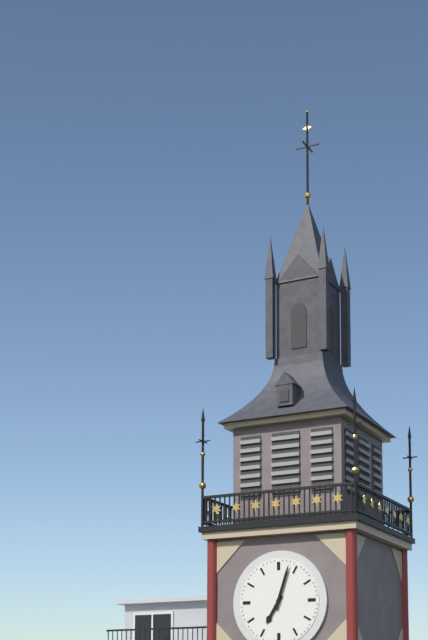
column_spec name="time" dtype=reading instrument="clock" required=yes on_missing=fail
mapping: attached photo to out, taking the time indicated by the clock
7:03
